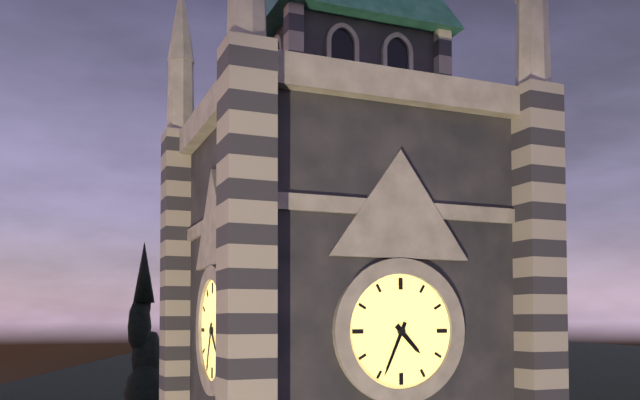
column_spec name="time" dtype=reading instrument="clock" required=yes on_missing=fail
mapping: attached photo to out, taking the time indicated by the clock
4:34
